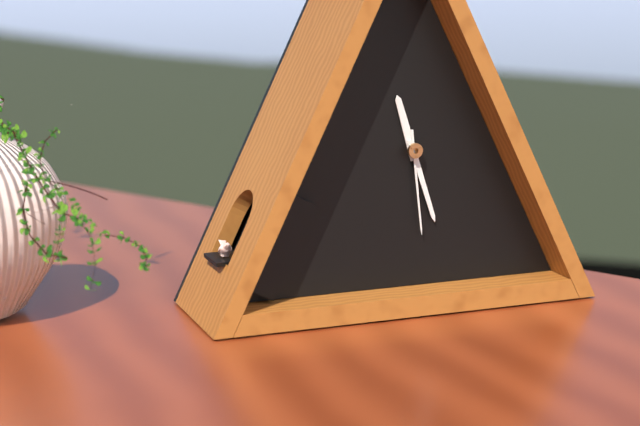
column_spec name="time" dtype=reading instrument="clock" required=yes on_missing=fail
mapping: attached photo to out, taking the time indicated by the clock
11:27:29
